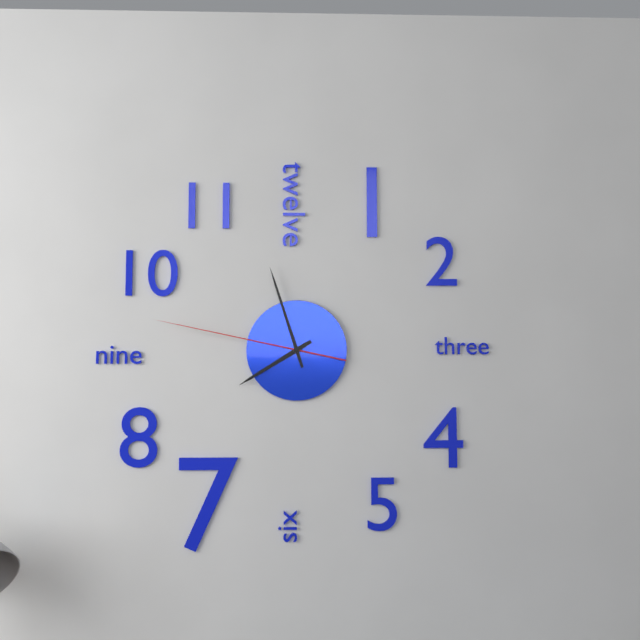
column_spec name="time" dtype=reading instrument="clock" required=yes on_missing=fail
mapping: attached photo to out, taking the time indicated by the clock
7:57:47
